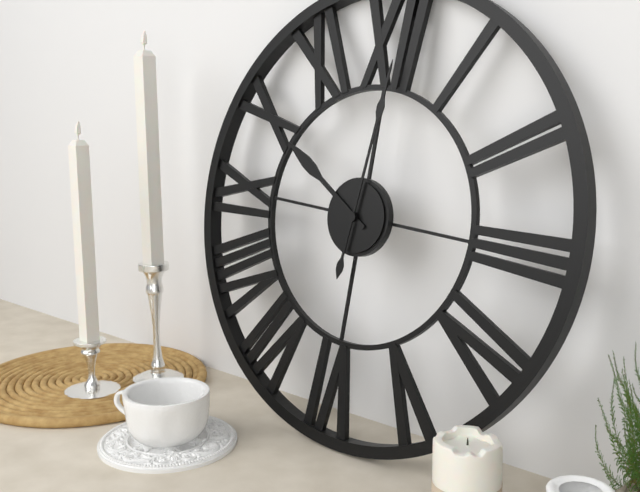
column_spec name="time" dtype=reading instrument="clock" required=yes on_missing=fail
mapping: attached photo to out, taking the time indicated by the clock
10:01
